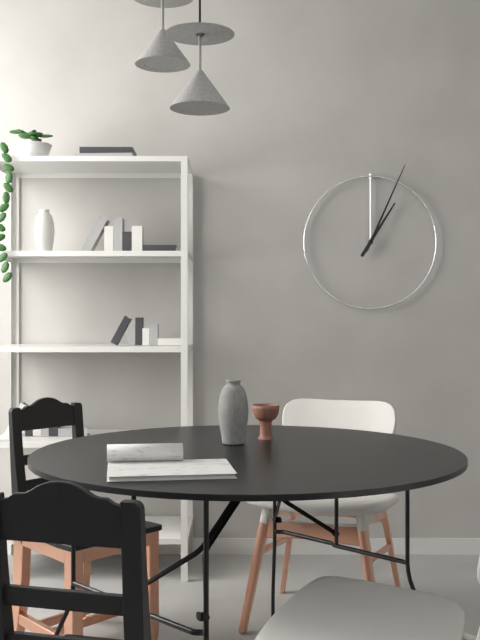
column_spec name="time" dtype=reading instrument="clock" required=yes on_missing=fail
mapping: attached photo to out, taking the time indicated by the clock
1:04
